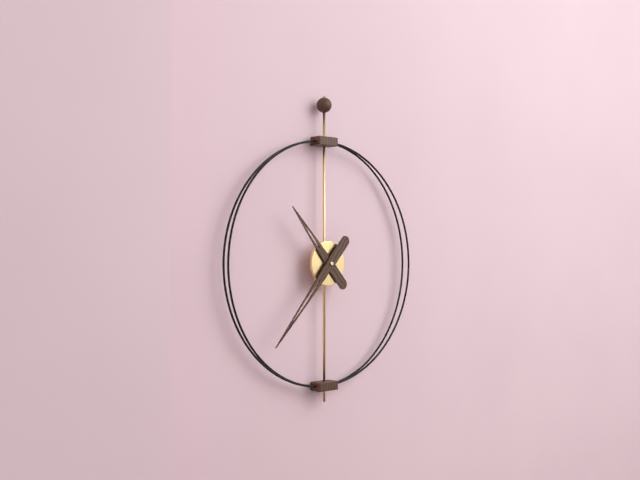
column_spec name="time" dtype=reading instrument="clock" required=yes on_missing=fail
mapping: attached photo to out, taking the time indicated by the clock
10:37
